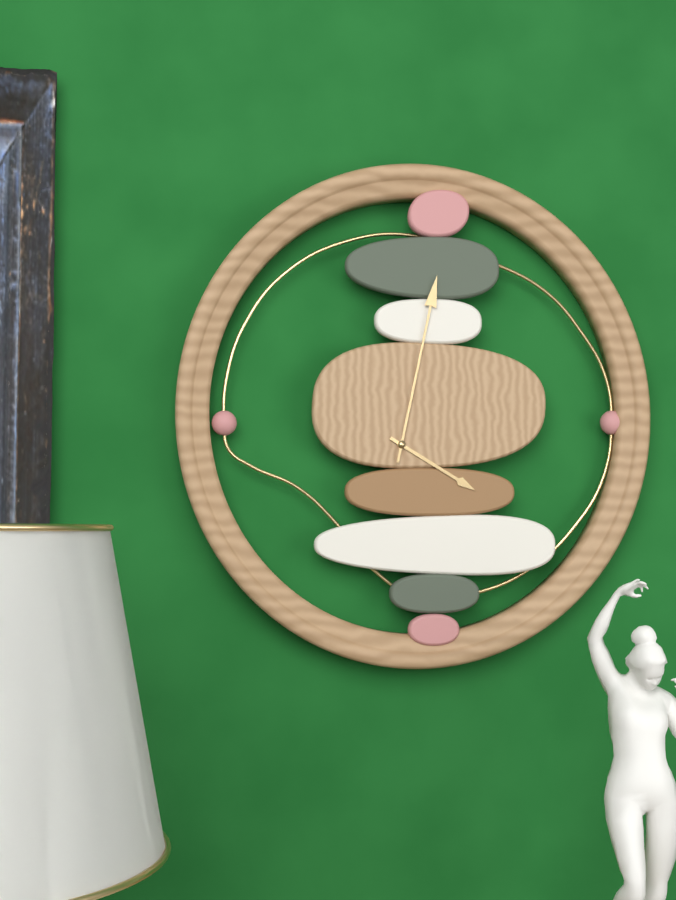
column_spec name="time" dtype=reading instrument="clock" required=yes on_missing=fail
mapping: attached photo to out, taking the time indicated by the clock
4:02
